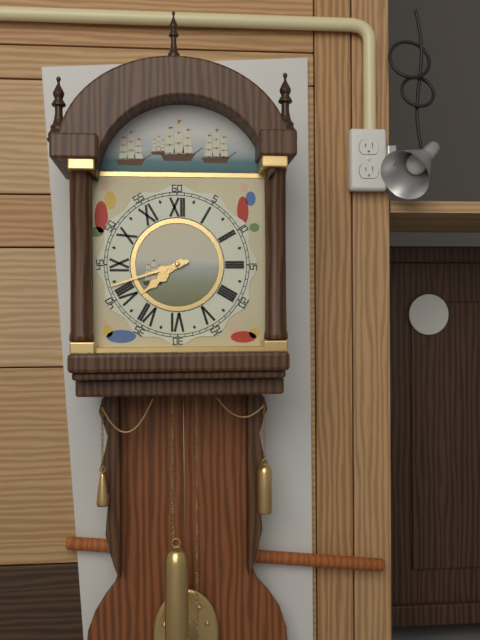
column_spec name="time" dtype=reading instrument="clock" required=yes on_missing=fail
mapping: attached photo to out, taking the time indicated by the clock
7:42
